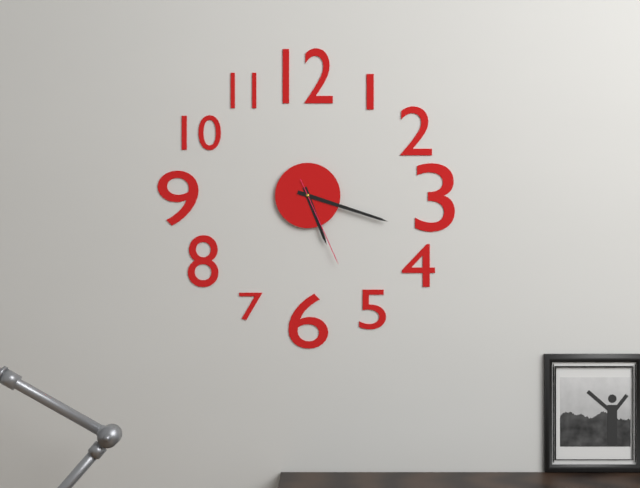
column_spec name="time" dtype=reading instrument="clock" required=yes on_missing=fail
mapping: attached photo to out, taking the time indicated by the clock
5:18:26
